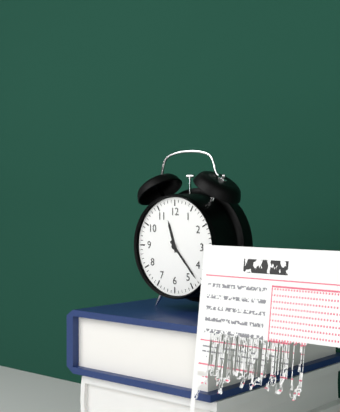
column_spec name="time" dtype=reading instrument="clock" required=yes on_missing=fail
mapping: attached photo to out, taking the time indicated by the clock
11:23
